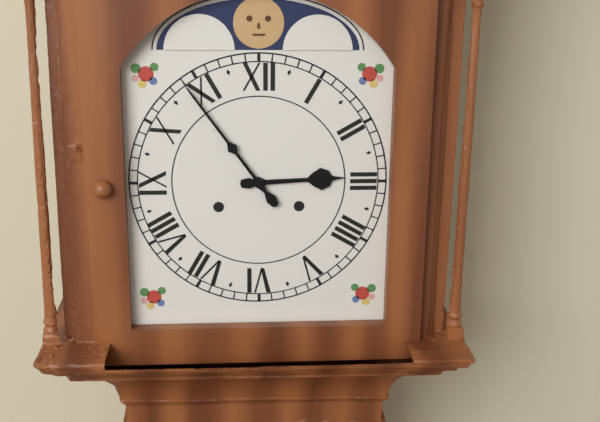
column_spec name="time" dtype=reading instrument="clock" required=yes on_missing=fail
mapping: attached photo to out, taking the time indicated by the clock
2:54
